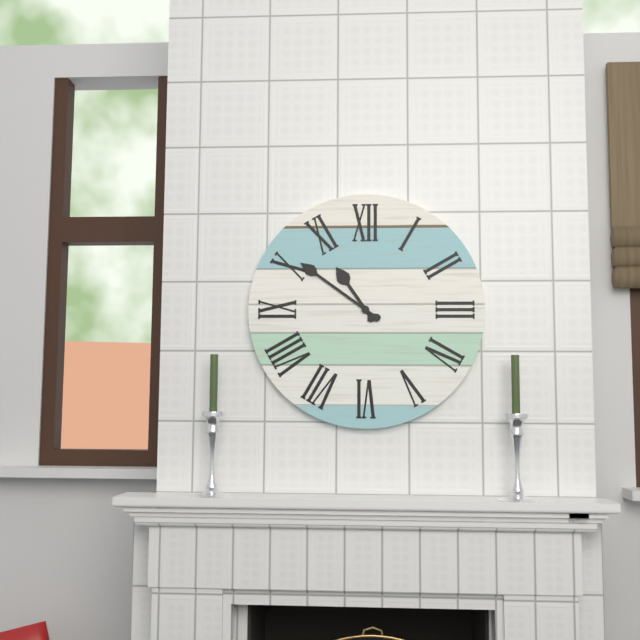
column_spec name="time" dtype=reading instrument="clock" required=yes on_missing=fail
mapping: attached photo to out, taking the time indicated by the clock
10:51
